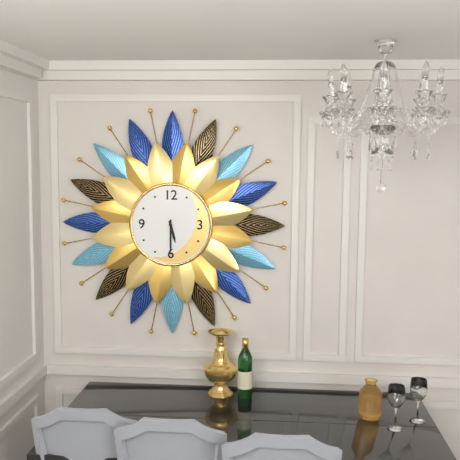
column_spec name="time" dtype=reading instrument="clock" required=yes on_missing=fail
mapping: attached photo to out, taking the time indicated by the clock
5:30
